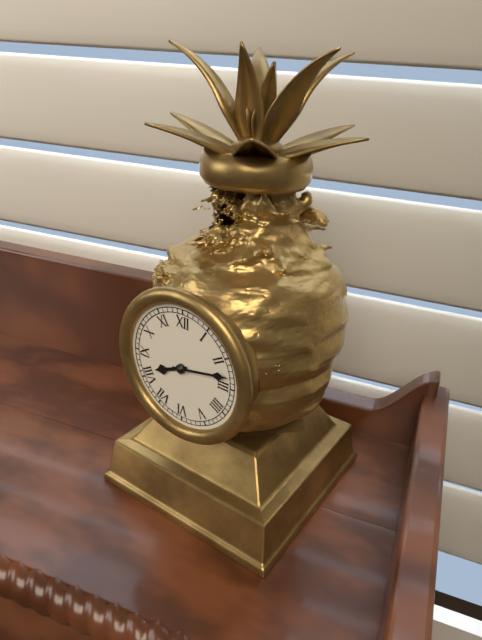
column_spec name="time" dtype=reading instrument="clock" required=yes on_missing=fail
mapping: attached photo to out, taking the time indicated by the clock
8:13
